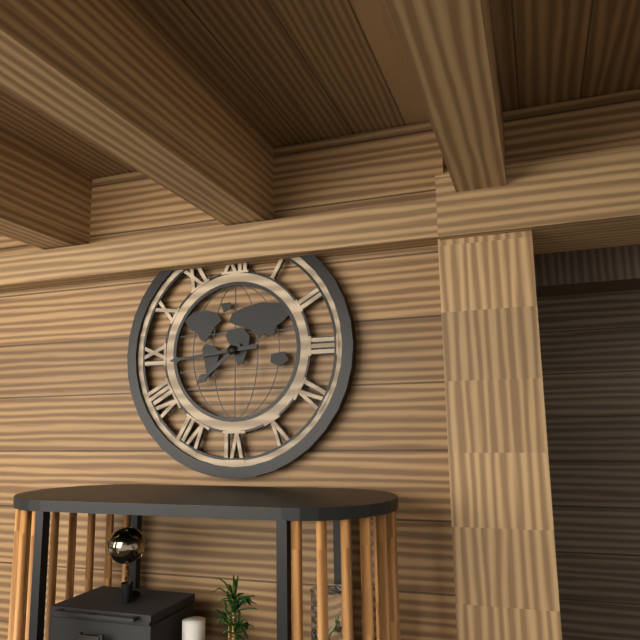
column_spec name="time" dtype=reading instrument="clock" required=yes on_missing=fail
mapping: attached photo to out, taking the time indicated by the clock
7:44
